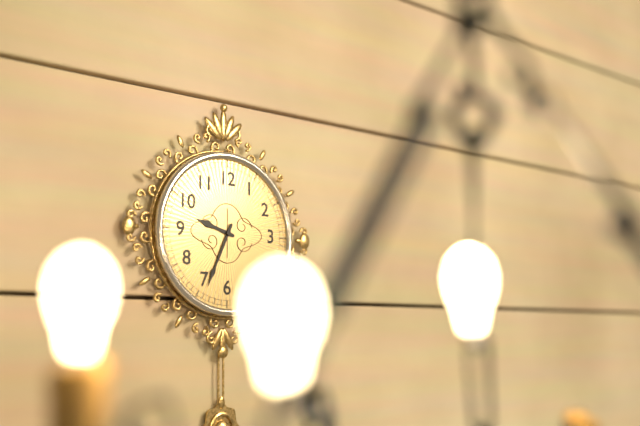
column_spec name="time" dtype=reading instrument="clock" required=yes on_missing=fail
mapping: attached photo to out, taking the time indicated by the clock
9:34
